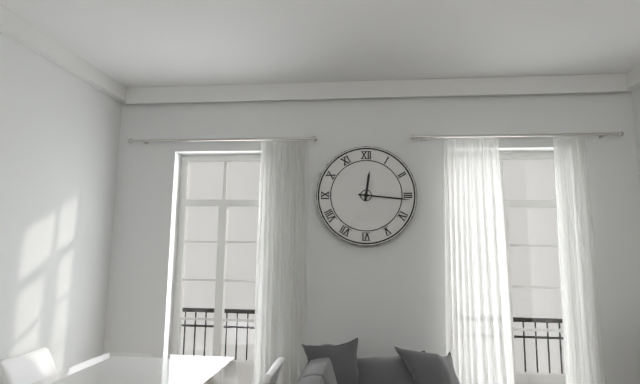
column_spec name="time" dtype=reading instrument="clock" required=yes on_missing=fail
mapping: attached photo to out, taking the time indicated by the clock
12:16
